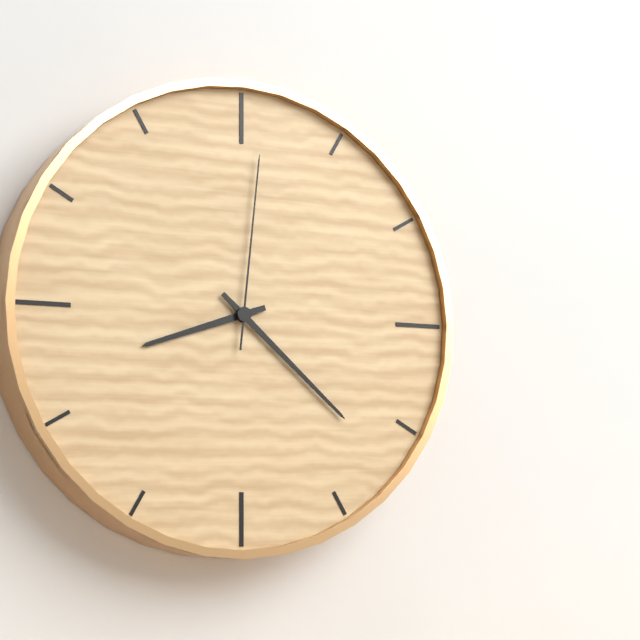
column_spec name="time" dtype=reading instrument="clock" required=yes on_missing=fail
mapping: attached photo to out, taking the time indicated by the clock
8:22:01
